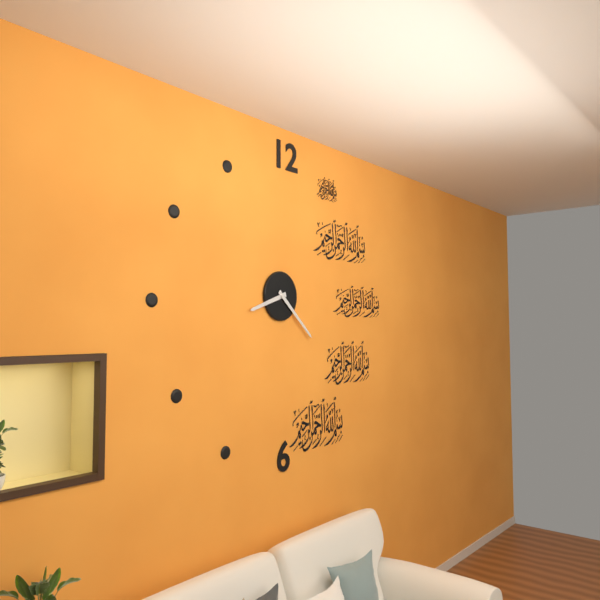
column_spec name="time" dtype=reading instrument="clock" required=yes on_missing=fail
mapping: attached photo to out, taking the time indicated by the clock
8:22
